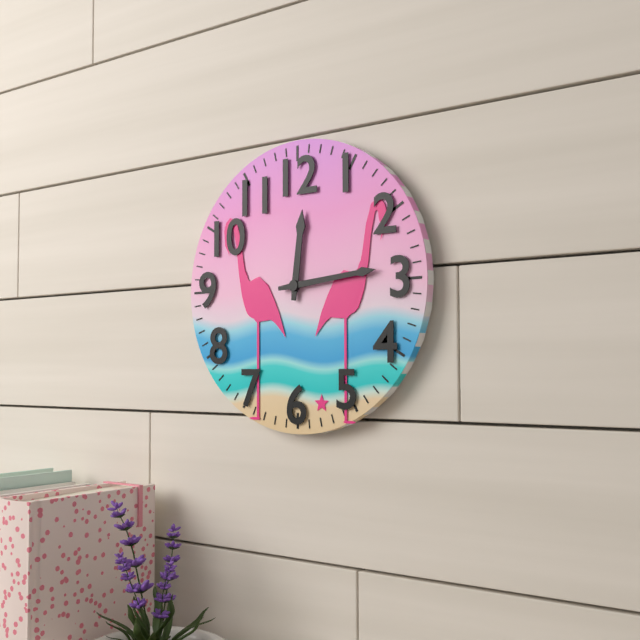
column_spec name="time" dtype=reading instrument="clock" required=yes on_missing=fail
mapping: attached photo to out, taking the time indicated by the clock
12:14
